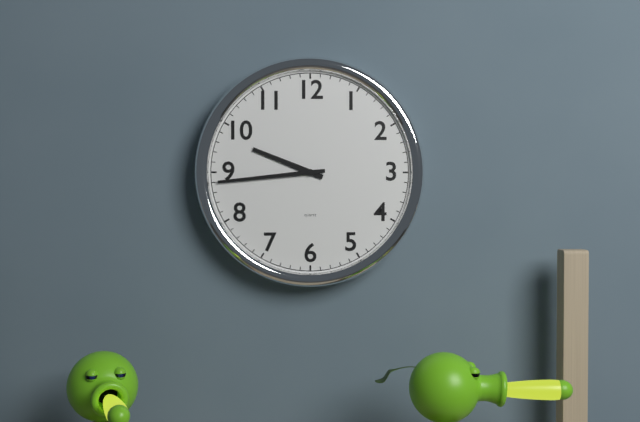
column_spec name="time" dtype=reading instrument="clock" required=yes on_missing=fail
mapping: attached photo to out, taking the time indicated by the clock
9:44
